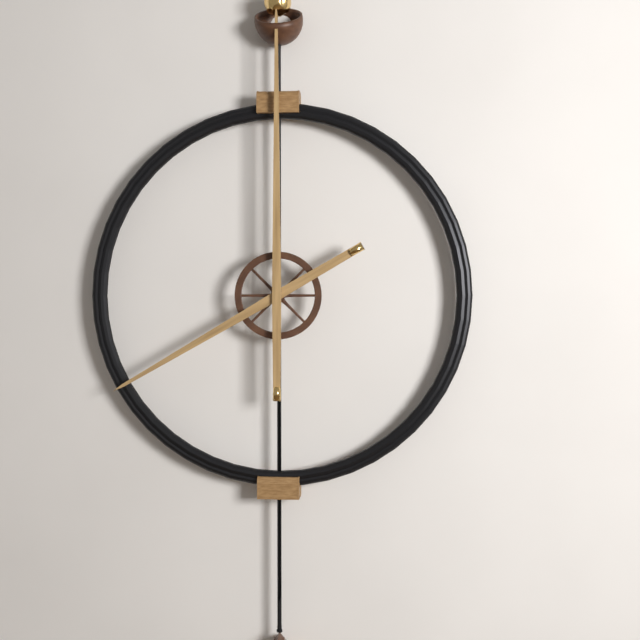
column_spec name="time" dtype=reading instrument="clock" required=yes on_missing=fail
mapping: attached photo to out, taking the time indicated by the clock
8:00
